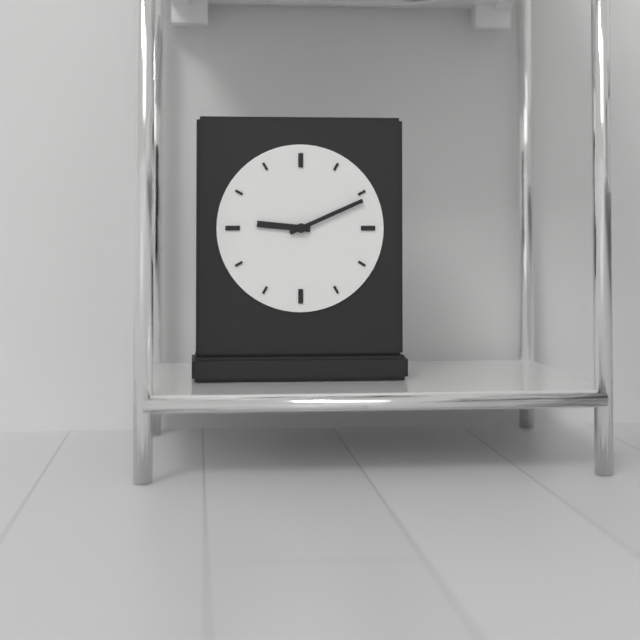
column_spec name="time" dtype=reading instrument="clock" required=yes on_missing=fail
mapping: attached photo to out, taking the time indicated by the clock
9:11
